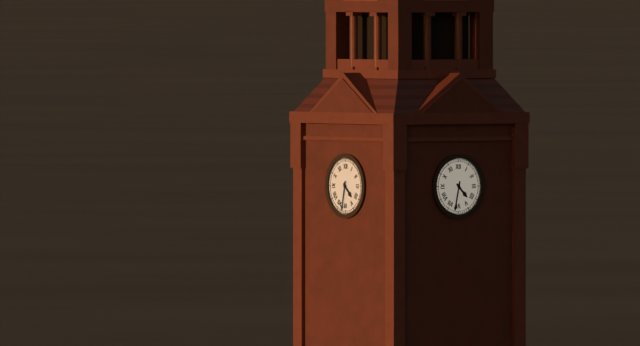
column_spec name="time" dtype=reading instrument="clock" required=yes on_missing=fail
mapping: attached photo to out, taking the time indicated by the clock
4:32
